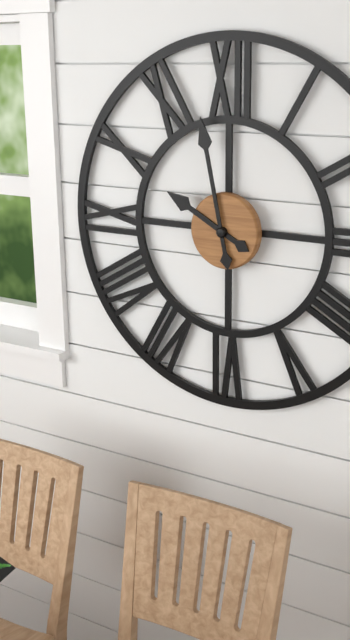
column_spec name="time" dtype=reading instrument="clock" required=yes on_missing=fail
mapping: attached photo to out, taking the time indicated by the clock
9:58
